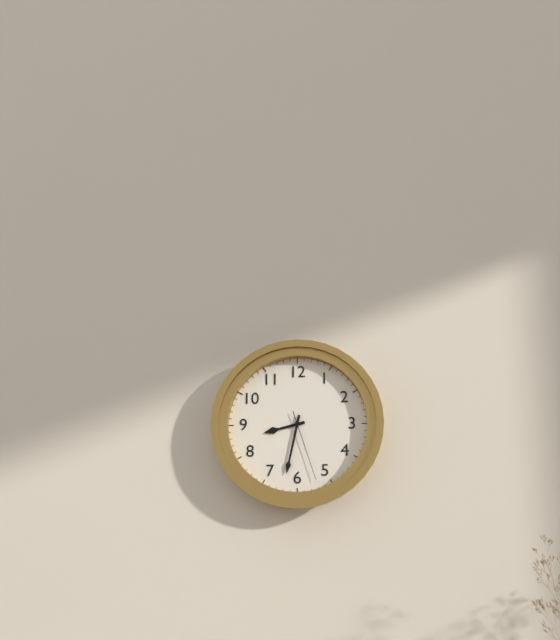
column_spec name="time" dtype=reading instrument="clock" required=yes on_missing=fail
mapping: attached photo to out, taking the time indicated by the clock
8:32:27
